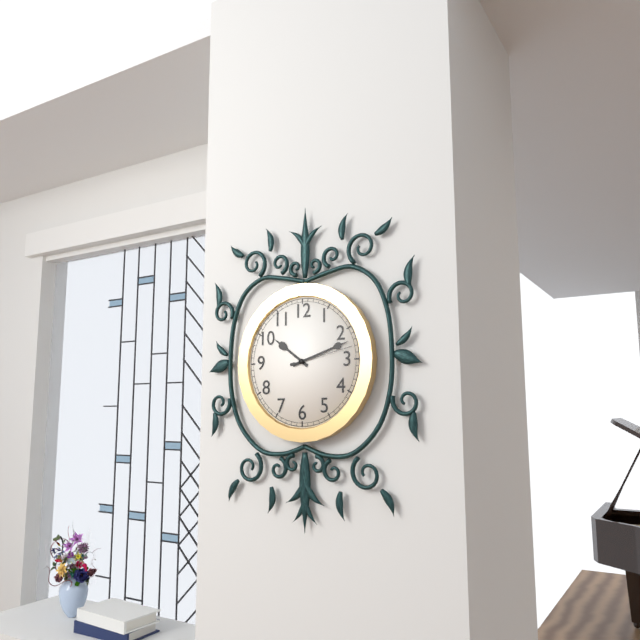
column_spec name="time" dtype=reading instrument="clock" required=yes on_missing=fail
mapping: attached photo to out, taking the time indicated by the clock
10:12:13
